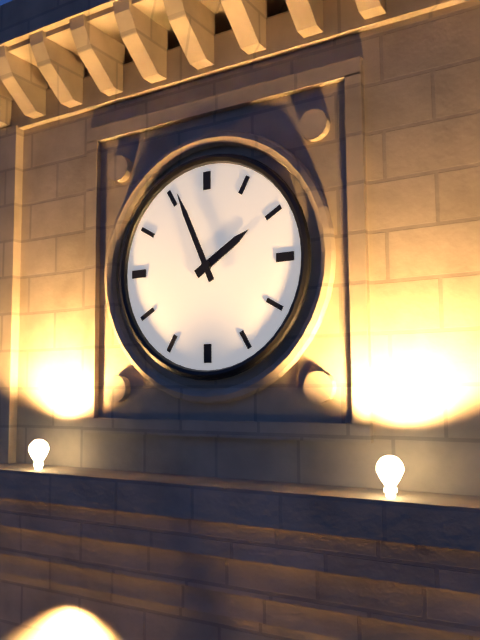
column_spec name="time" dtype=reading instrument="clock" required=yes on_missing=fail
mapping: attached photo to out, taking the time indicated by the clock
1:56
